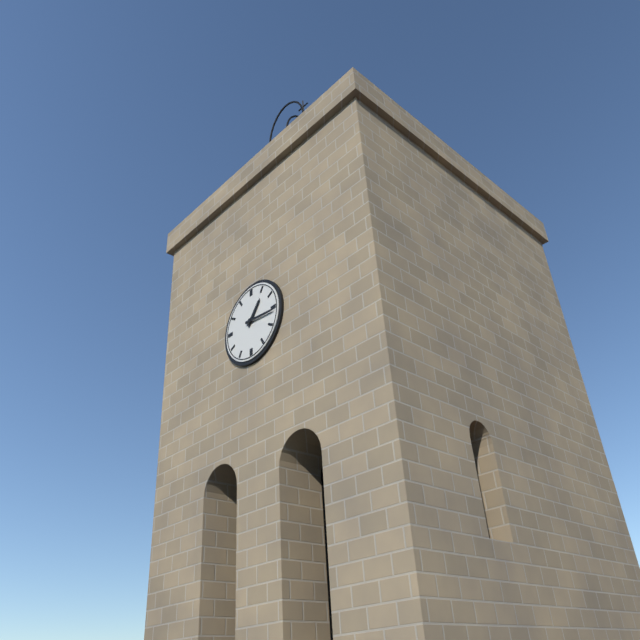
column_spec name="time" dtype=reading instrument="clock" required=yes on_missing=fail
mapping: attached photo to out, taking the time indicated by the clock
1:16
